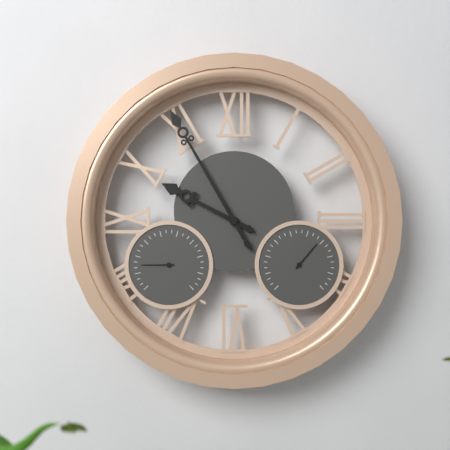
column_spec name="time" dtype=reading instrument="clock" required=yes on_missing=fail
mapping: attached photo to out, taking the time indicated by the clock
9:55
